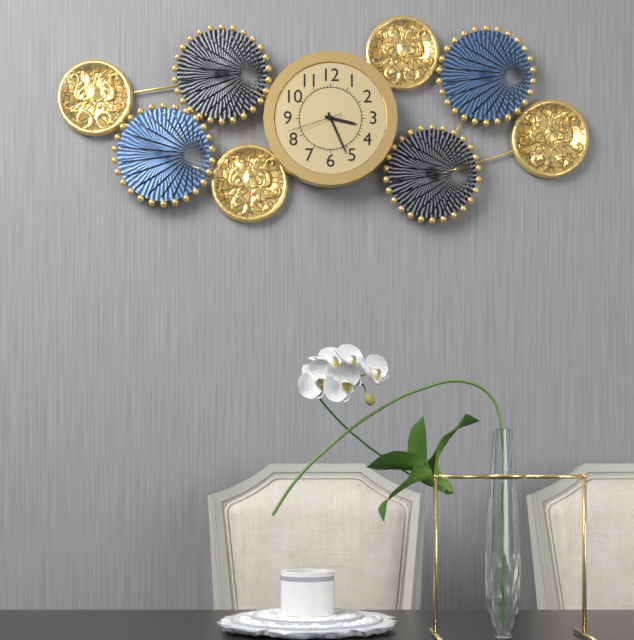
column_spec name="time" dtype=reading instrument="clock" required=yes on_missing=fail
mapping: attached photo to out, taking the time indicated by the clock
3:26:42
